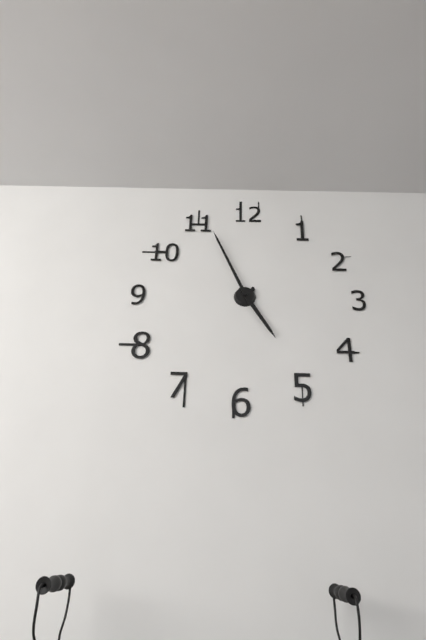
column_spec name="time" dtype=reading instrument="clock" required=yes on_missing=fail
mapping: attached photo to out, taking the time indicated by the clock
4:56
